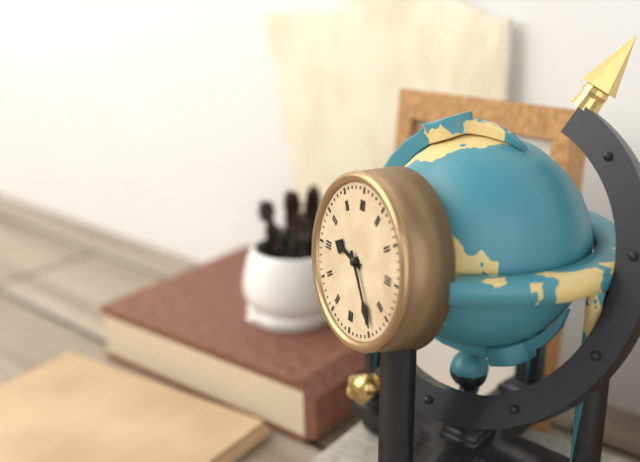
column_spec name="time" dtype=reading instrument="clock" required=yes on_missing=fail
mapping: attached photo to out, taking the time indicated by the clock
9:24
